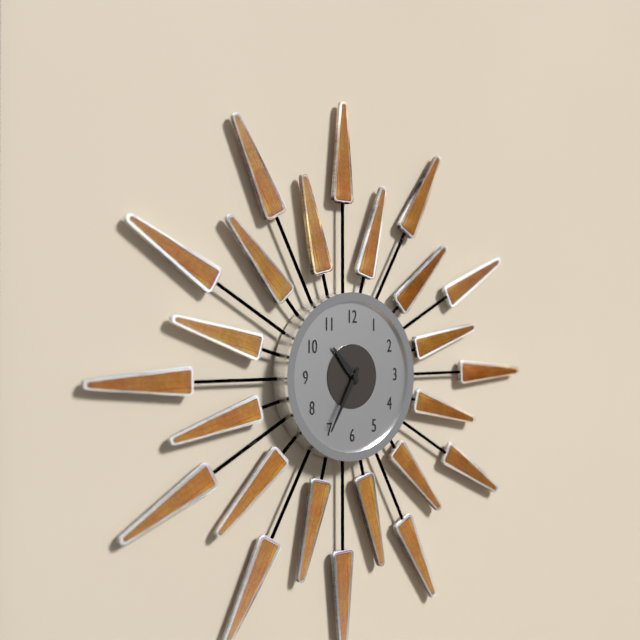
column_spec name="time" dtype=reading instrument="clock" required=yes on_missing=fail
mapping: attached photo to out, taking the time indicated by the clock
10:35
